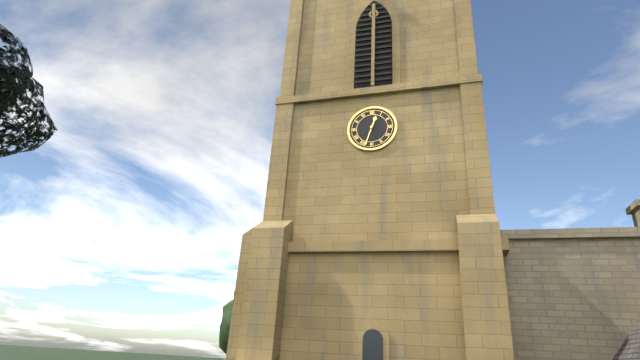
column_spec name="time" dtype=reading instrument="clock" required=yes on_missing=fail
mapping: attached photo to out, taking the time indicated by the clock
12:33
